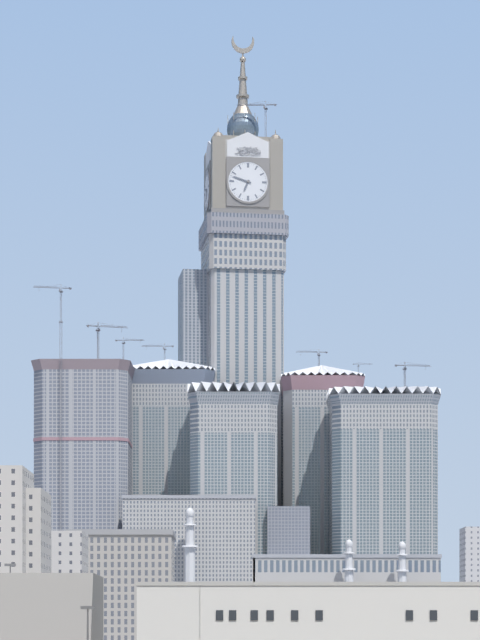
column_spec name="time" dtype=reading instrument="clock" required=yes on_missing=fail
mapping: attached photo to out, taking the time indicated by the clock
6:48
